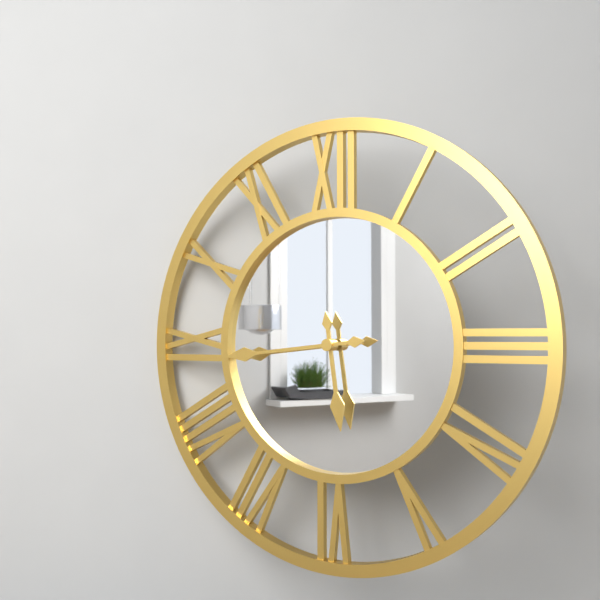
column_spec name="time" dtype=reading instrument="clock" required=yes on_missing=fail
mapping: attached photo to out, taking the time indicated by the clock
5:44
